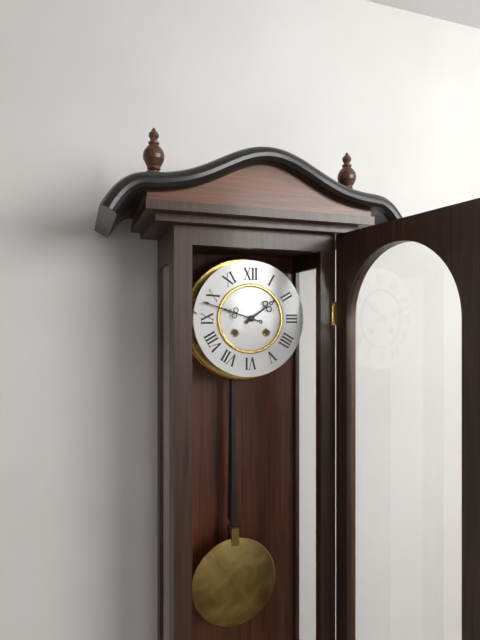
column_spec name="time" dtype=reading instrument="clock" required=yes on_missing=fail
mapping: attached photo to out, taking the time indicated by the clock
1:48
